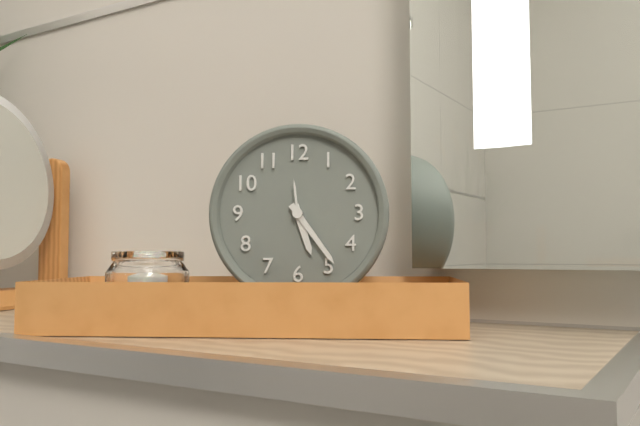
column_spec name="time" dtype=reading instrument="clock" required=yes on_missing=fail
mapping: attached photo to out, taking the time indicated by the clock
5:24
